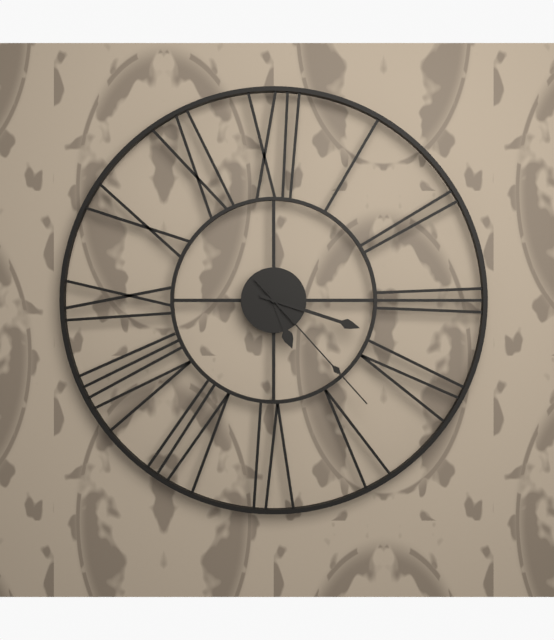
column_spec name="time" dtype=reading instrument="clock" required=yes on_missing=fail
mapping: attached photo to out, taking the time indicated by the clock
5:18:23
